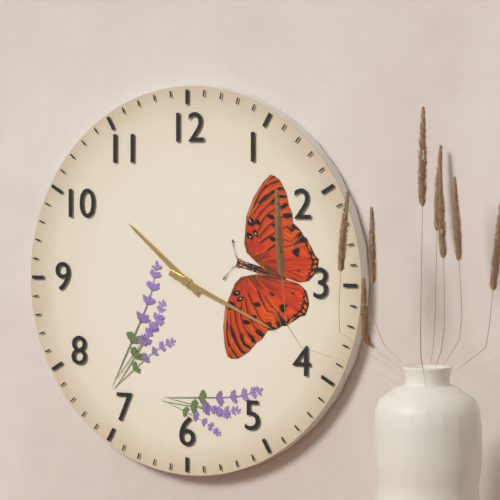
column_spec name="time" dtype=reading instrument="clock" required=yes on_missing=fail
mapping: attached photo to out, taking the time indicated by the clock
10:19
